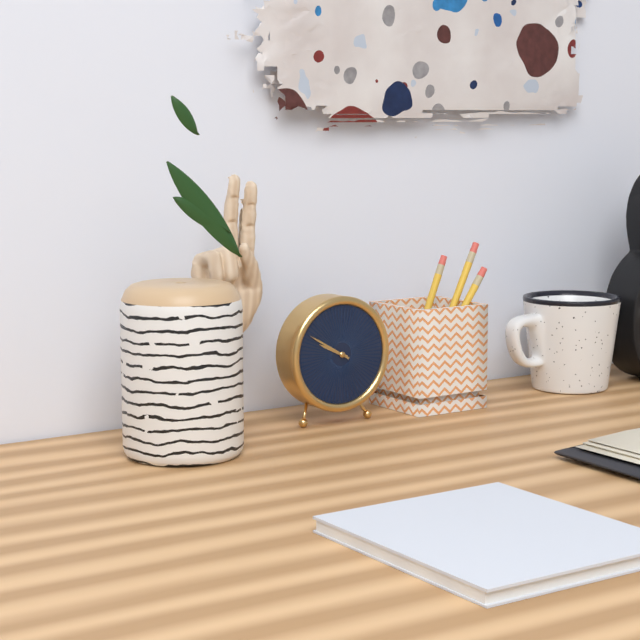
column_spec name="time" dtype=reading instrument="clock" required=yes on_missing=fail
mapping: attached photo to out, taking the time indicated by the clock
9:50
